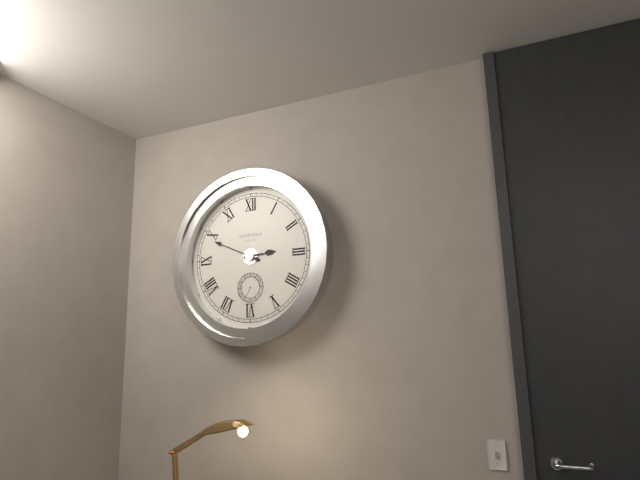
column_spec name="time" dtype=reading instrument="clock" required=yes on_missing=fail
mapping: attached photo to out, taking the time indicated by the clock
2:49
